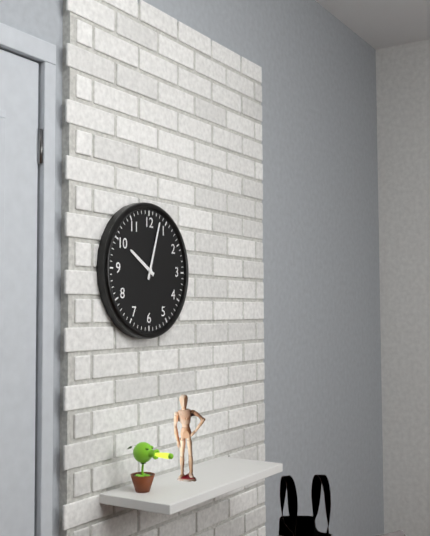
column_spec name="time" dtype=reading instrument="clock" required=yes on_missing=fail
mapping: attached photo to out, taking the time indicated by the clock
10:03
